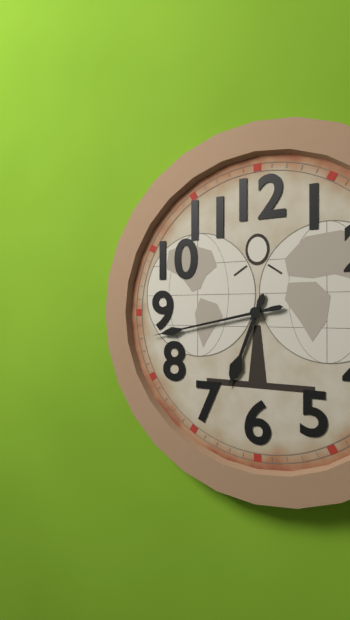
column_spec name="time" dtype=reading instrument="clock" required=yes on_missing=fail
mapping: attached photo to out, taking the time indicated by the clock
6:43
